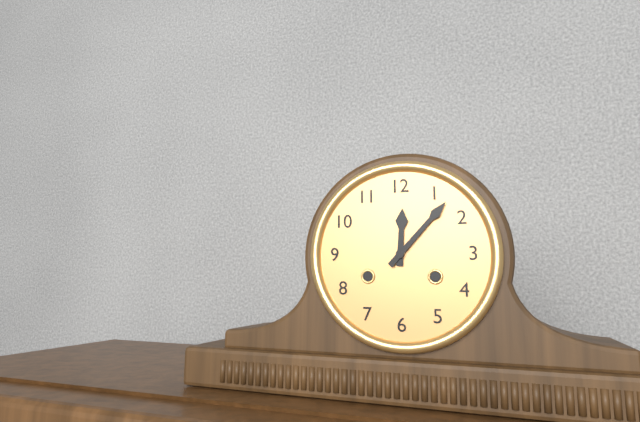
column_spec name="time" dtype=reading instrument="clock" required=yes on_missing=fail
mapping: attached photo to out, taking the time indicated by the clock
12:07
